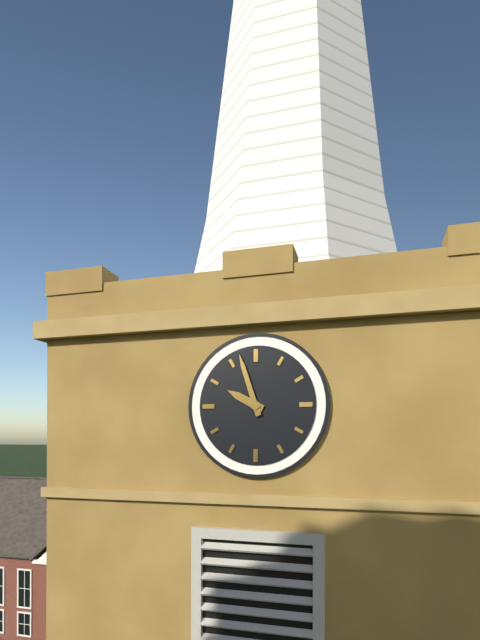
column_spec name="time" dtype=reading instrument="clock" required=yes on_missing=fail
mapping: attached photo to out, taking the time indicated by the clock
9:57
